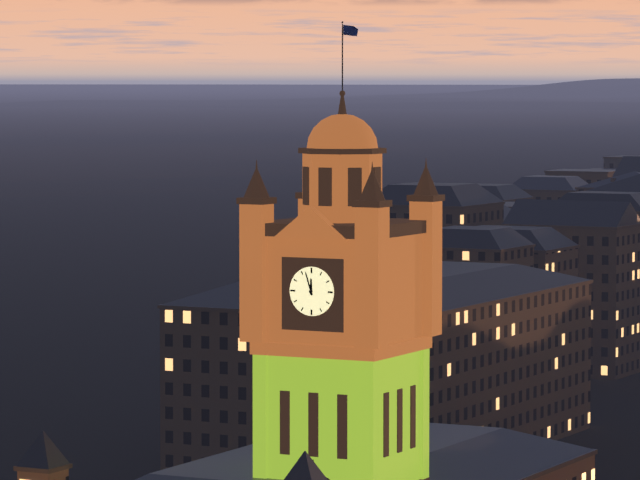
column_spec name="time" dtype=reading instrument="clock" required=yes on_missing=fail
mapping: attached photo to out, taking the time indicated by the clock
11:57
